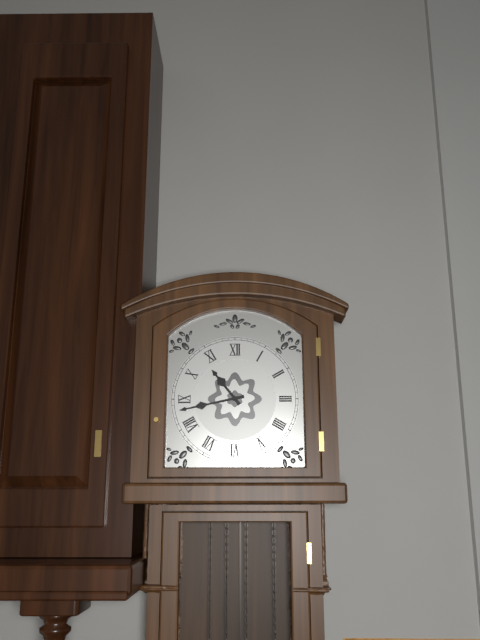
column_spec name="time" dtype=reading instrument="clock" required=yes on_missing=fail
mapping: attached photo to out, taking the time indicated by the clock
10:43
